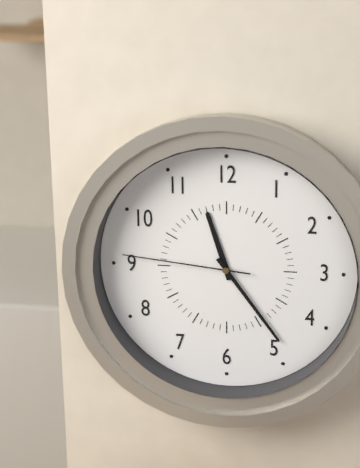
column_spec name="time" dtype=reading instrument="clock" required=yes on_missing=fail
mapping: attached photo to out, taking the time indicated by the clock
11:24:46
